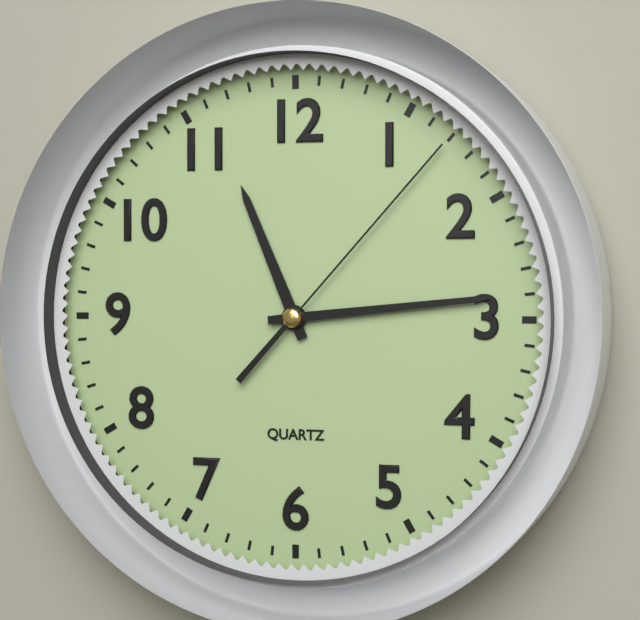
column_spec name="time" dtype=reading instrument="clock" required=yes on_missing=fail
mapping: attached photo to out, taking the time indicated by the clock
11:14:07
